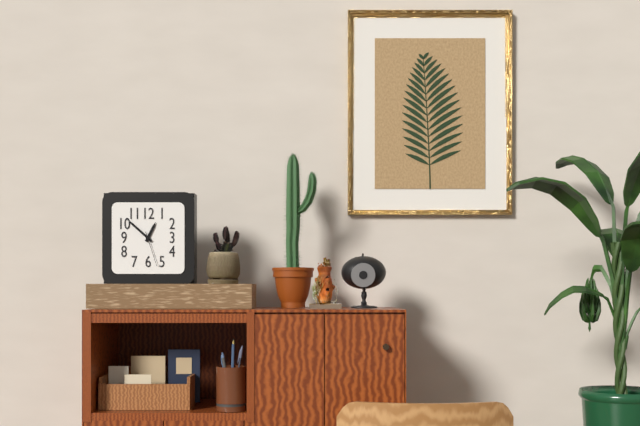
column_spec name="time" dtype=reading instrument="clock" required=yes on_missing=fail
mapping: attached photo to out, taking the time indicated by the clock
12:52
